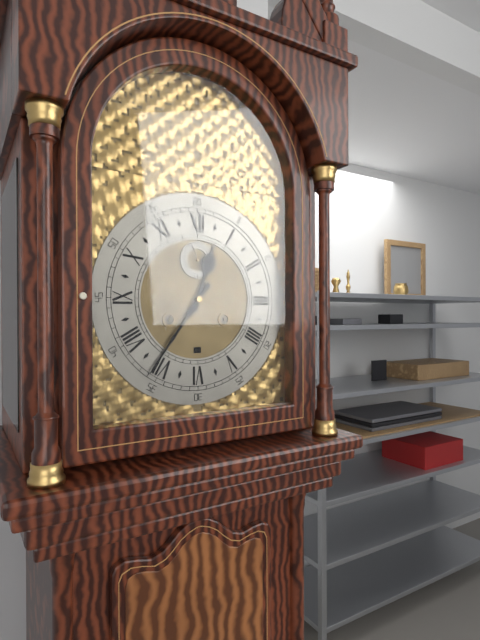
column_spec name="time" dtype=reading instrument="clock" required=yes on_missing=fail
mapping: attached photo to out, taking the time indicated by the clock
12:36
